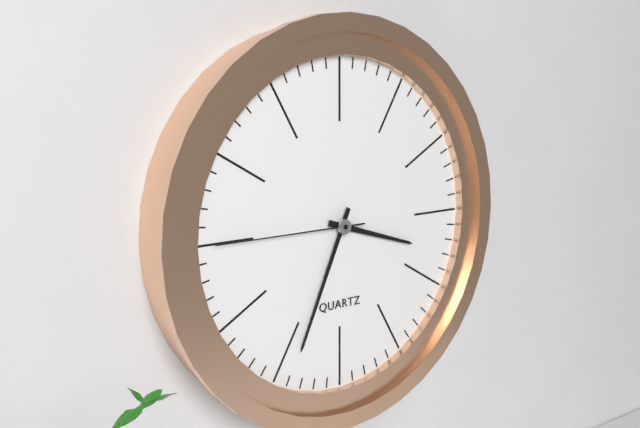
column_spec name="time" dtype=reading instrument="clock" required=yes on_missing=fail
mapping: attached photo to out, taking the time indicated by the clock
3:34:45
